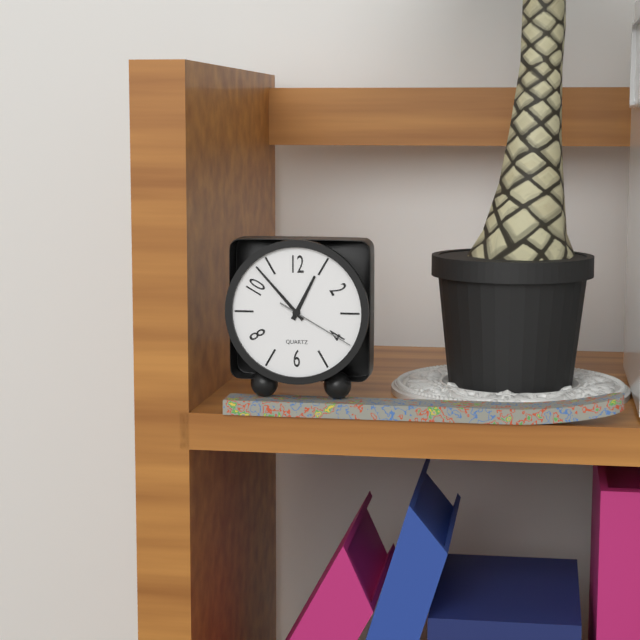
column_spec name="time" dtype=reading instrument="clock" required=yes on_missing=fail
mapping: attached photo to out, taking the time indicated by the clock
12:53:20
